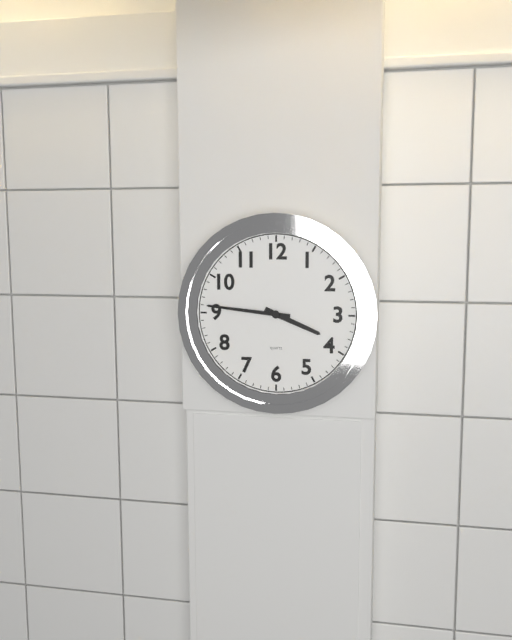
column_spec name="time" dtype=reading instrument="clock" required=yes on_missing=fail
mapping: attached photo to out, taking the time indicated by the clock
3:46
